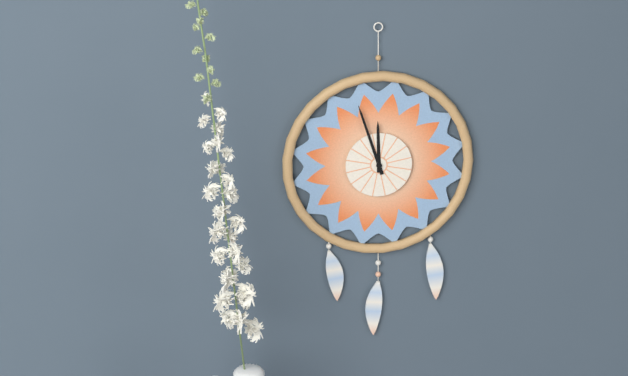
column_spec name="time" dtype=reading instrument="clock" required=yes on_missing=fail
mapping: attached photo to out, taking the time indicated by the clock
11:57
